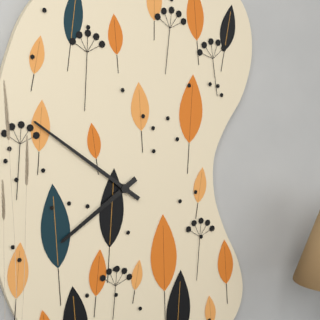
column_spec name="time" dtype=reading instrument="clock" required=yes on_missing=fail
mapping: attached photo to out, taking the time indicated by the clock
7:51
